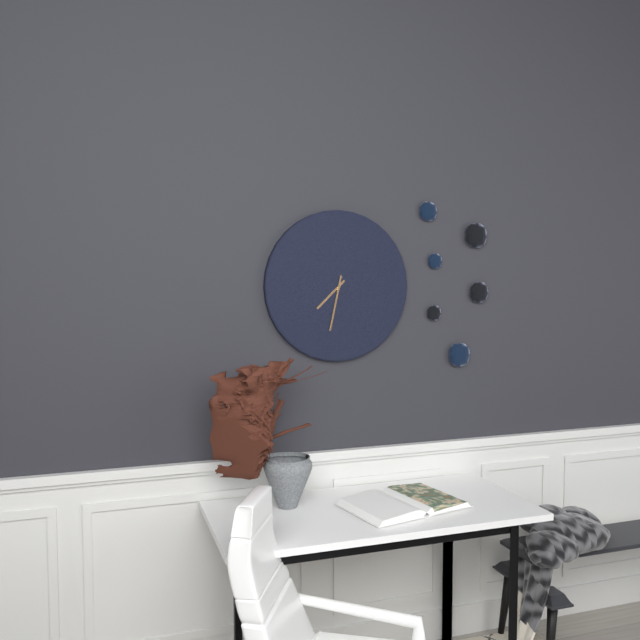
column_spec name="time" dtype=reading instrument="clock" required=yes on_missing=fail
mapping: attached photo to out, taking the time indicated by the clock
7:32
